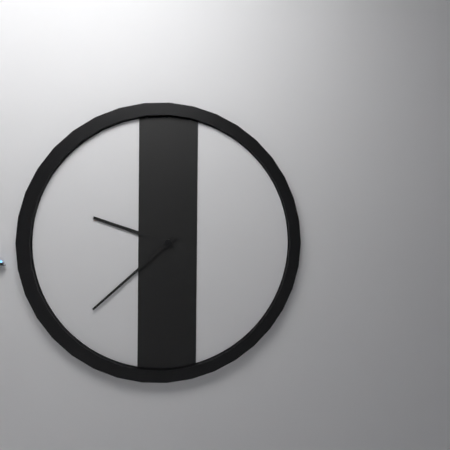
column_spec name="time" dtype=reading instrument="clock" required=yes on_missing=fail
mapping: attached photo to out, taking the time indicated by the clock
9:38
